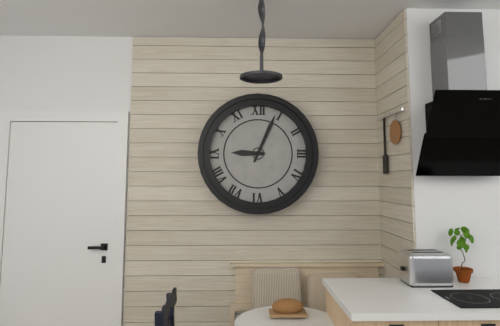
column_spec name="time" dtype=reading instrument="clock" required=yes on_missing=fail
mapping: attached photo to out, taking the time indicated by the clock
9:04
